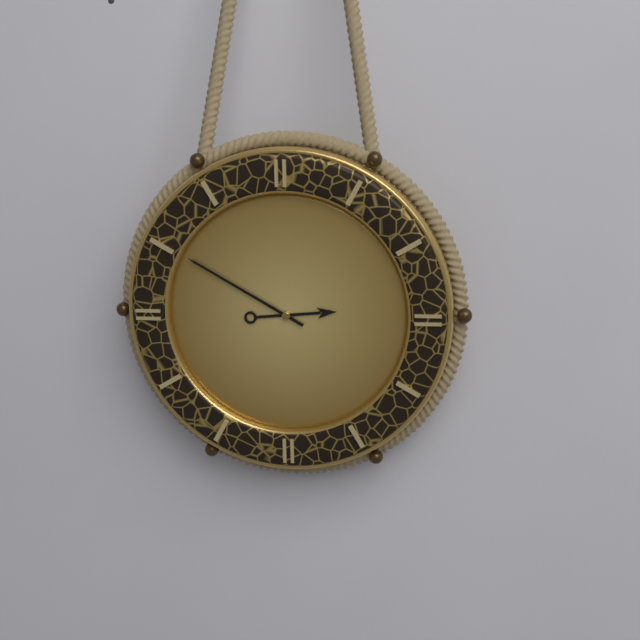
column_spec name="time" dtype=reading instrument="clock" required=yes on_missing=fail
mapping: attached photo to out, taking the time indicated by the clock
2:50
